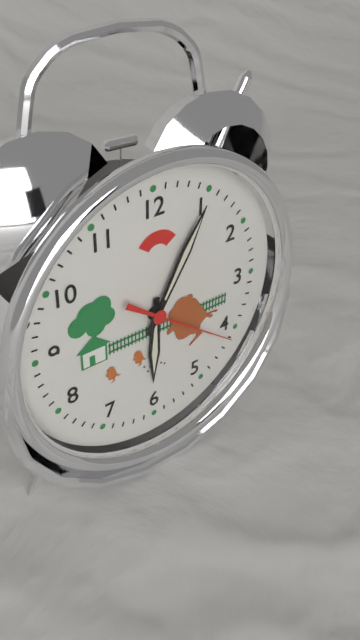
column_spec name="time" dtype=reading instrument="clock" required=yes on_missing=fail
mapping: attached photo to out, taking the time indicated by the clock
6:05:21
